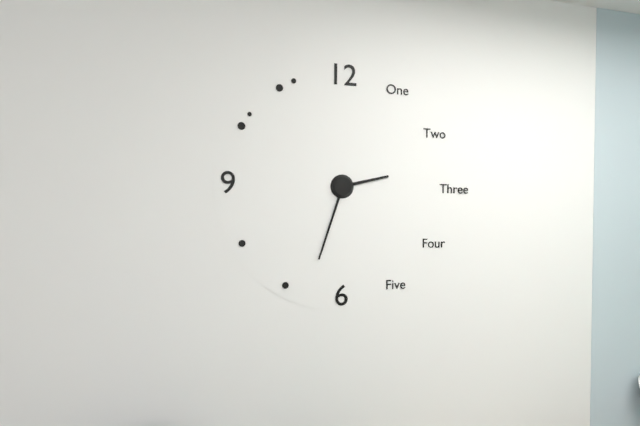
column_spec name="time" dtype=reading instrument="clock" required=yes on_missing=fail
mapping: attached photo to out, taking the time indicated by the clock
2:33
